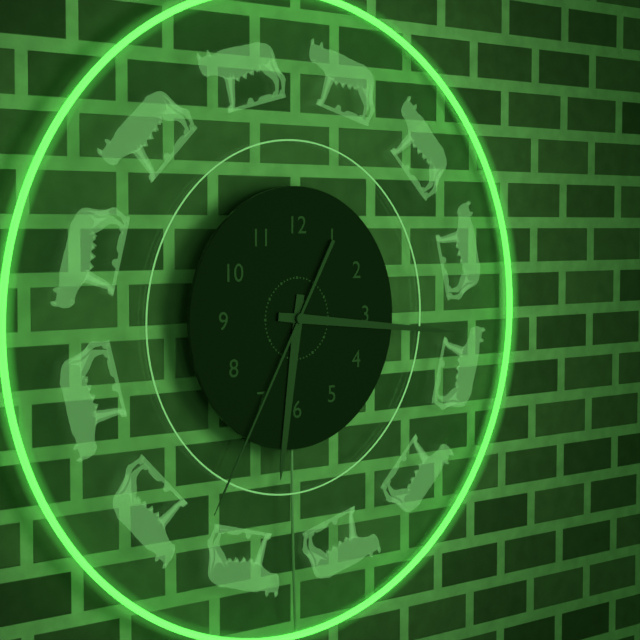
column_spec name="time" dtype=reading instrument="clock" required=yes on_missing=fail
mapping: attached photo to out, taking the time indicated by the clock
6:16:35
